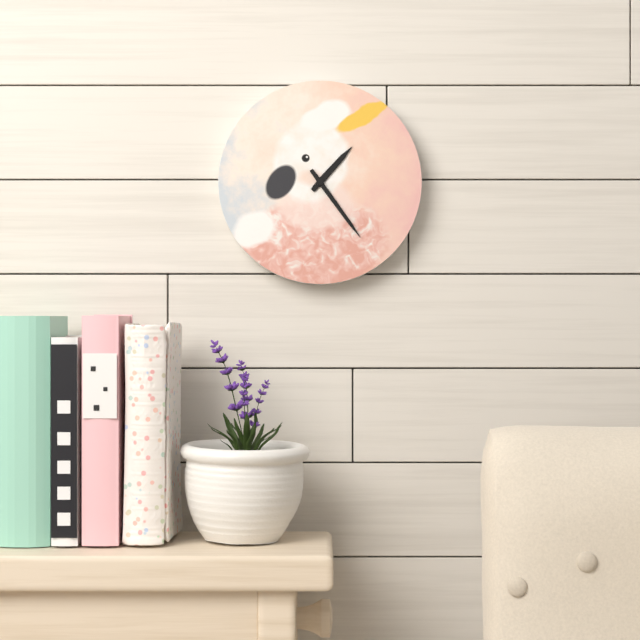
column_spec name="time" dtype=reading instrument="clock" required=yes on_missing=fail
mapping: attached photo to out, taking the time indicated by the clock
1:24
